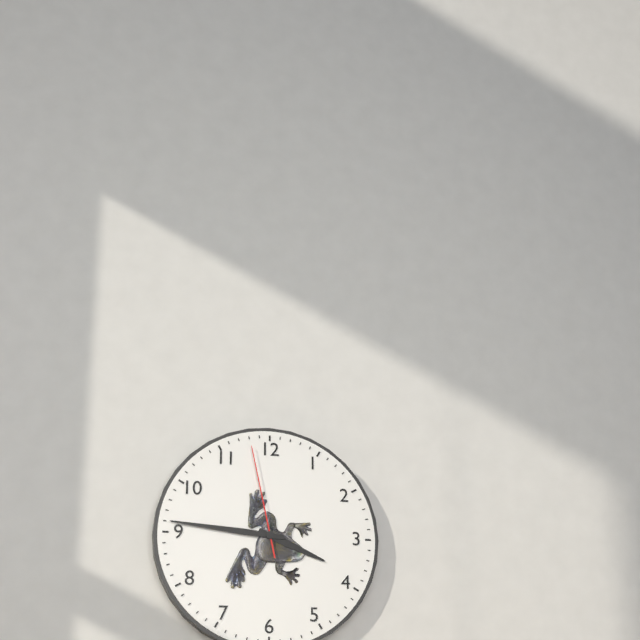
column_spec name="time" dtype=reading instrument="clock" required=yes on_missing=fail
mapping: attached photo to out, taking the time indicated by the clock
3:46:58
